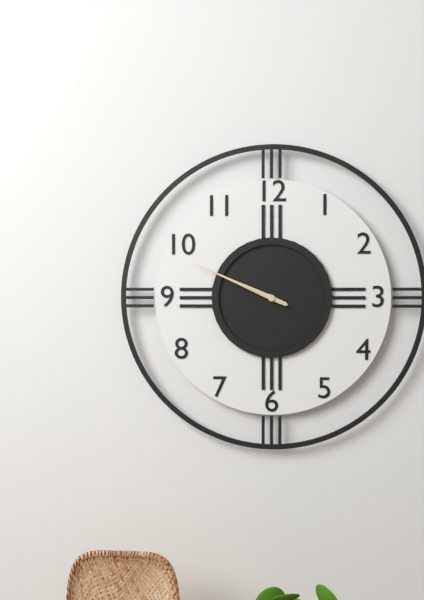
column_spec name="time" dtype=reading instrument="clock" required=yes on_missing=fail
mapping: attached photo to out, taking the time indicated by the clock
9:49:49
